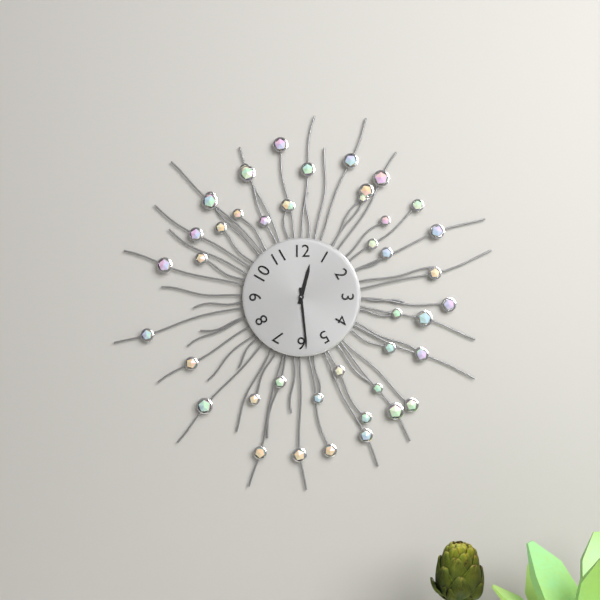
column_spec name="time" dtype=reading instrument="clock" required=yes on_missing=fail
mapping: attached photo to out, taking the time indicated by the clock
12:29
